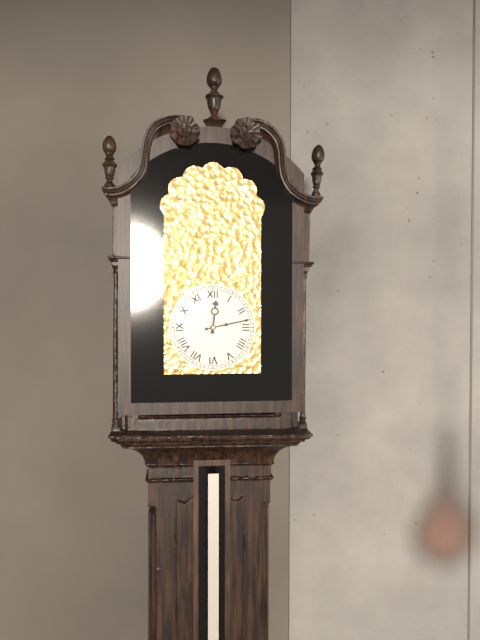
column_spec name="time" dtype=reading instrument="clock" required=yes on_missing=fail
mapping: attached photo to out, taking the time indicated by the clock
12:13
